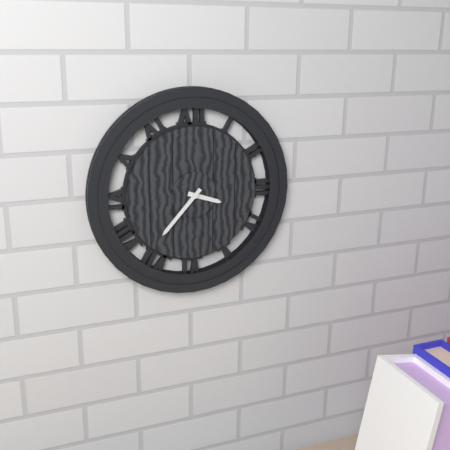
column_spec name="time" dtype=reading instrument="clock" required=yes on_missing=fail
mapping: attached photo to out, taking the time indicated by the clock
3:37
